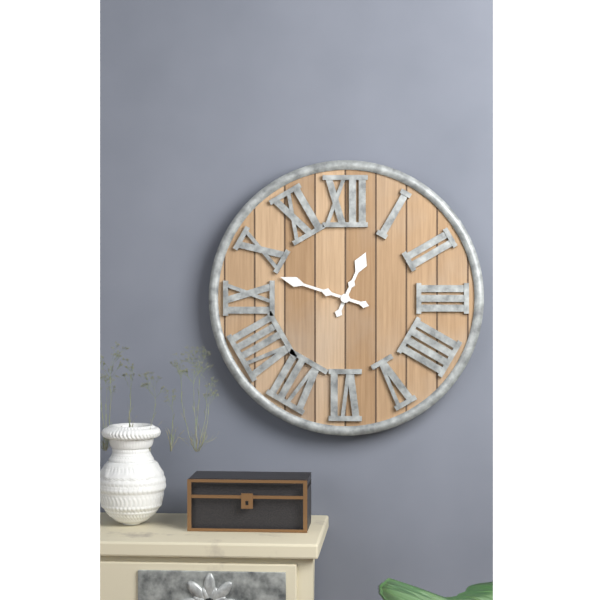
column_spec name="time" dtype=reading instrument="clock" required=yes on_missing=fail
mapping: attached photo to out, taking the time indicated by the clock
12:48
